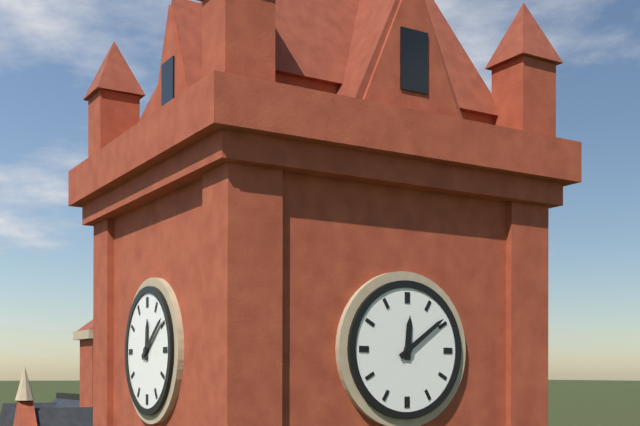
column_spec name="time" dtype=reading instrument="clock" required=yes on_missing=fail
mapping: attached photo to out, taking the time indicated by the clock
12:09
